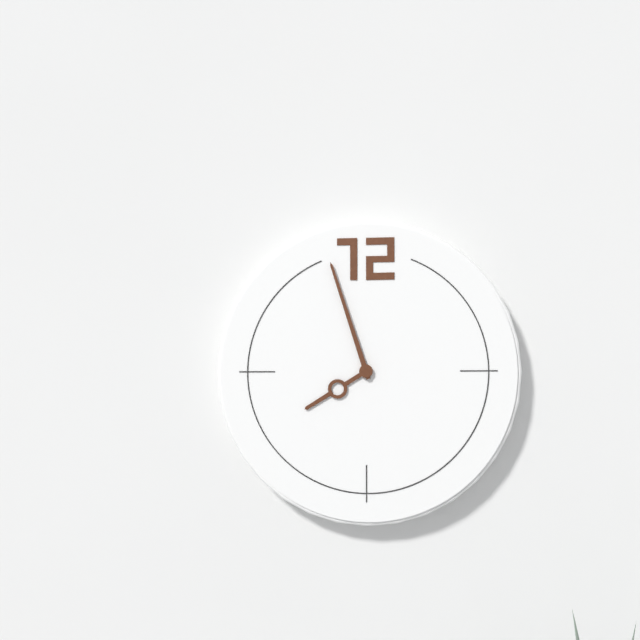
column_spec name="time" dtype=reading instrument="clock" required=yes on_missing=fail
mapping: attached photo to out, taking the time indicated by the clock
7:57
